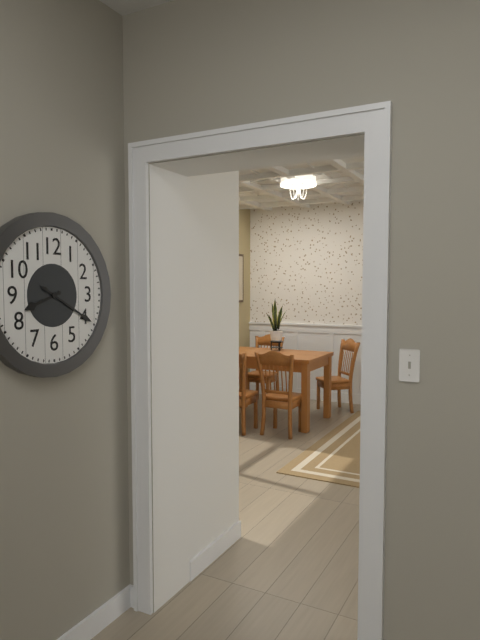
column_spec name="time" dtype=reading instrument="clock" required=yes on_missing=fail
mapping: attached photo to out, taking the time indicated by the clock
8:20
